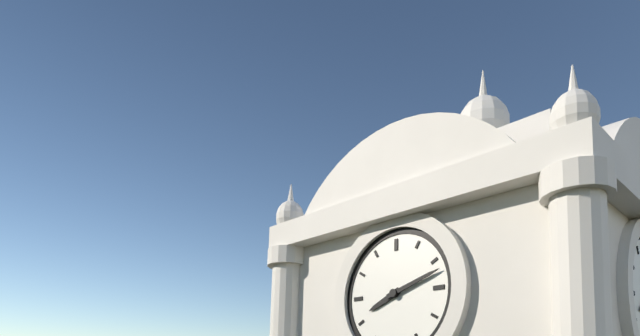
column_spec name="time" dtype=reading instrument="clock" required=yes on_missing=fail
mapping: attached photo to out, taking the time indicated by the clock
8:12
